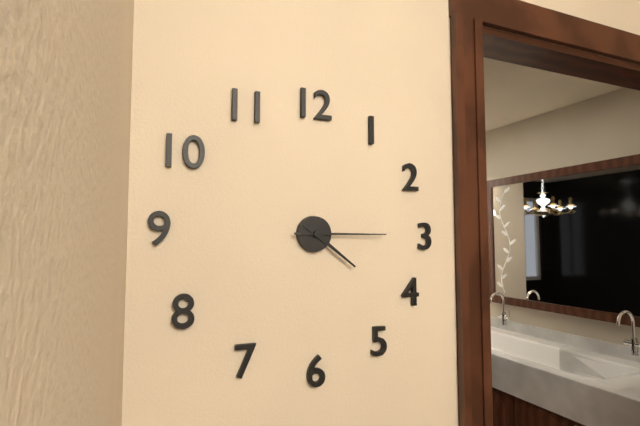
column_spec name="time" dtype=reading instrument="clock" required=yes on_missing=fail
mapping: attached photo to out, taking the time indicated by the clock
4:15
